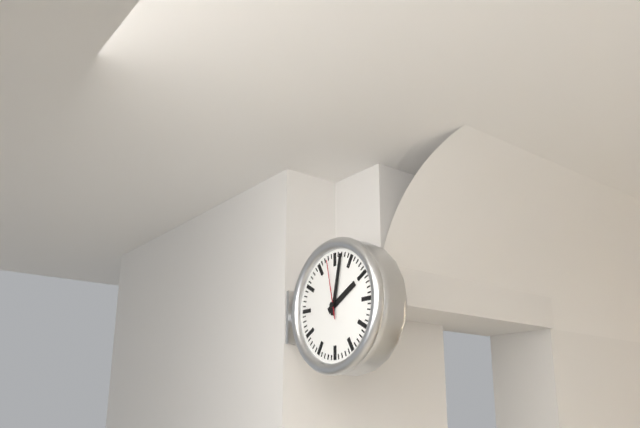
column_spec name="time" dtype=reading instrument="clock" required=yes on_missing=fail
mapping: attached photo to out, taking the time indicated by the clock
2:02:58
